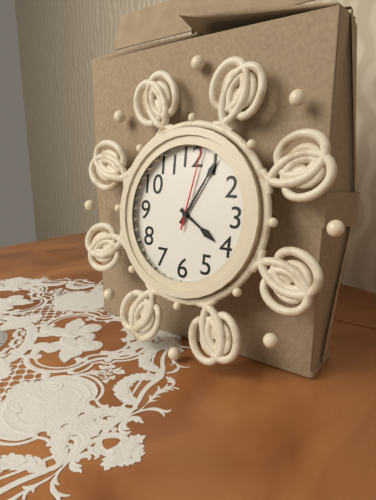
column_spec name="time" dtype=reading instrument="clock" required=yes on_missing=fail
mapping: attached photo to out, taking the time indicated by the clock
4:05:02
